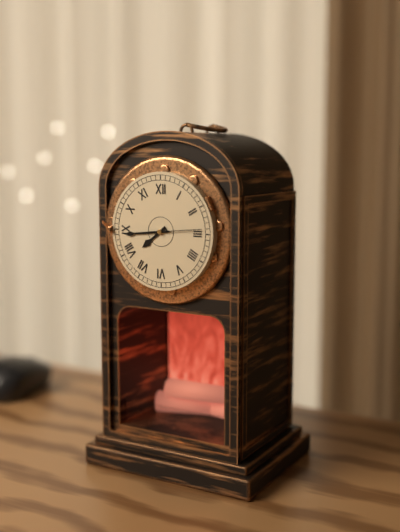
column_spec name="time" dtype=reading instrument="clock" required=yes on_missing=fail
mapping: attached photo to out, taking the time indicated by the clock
7:44
